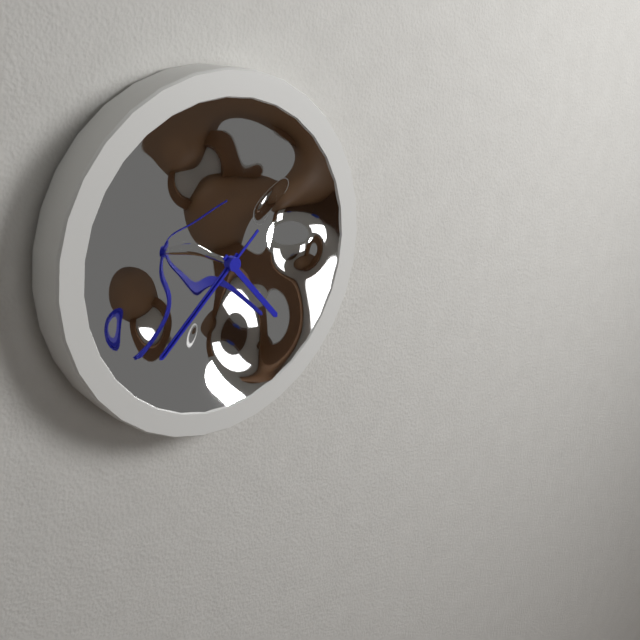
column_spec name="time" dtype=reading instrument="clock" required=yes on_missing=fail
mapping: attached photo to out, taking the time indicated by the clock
4:38:38
